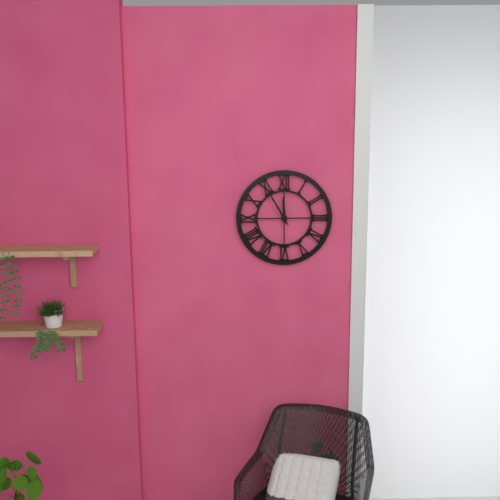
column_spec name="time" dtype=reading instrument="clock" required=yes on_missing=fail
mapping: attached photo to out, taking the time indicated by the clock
11:55
